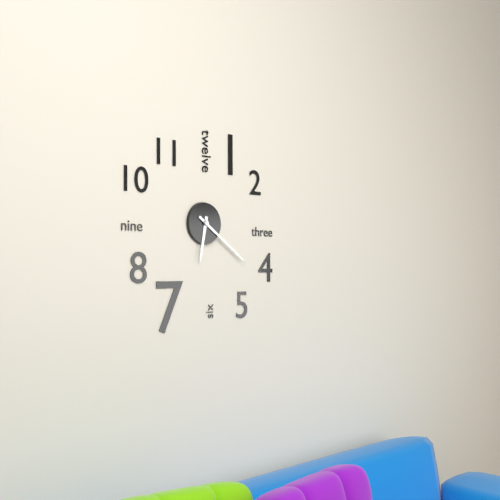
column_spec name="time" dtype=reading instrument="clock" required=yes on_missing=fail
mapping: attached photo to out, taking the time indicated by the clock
6:21
